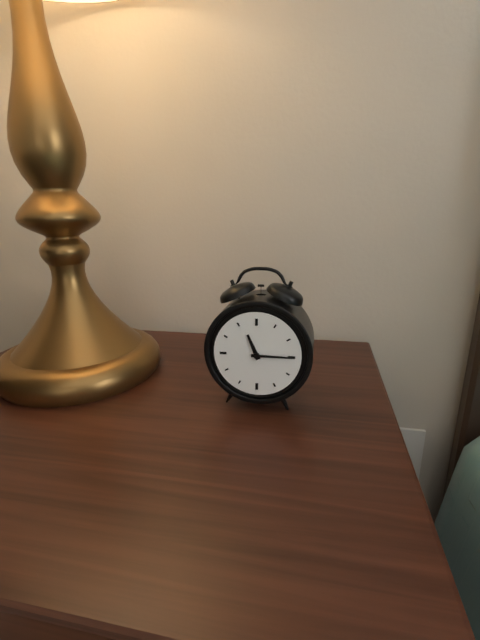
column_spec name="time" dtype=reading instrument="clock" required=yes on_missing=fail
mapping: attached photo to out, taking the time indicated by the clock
11:15
